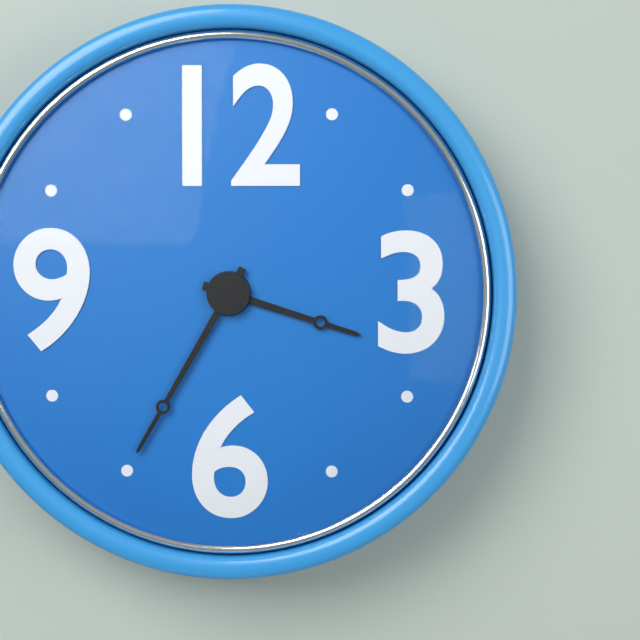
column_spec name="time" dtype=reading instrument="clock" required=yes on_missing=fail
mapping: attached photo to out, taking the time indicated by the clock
3:35
